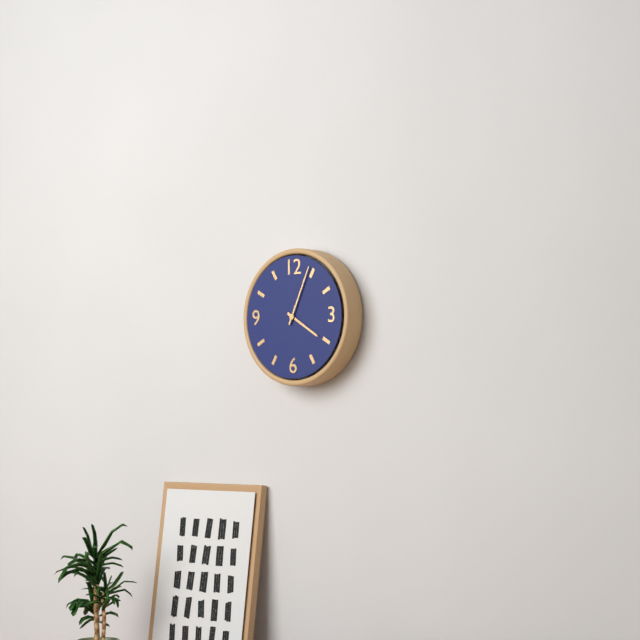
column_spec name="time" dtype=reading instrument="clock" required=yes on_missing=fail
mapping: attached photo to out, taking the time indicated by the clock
4:04
